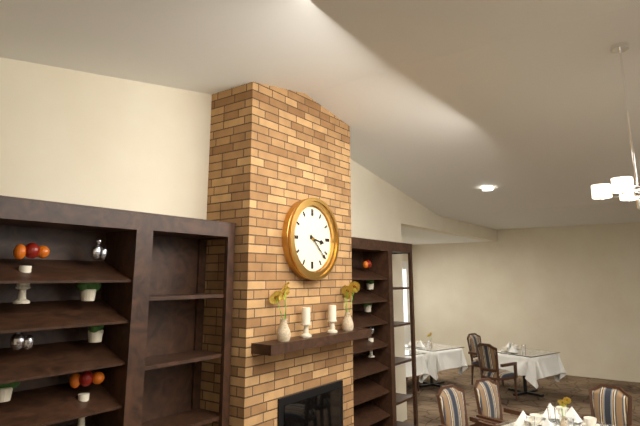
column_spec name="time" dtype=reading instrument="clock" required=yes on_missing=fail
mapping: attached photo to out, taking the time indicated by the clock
3:22
